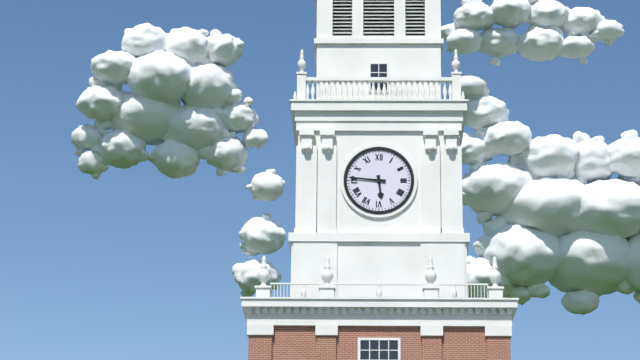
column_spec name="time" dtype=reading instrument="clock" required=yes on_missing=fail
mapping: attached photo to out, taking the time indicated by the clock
5:46
